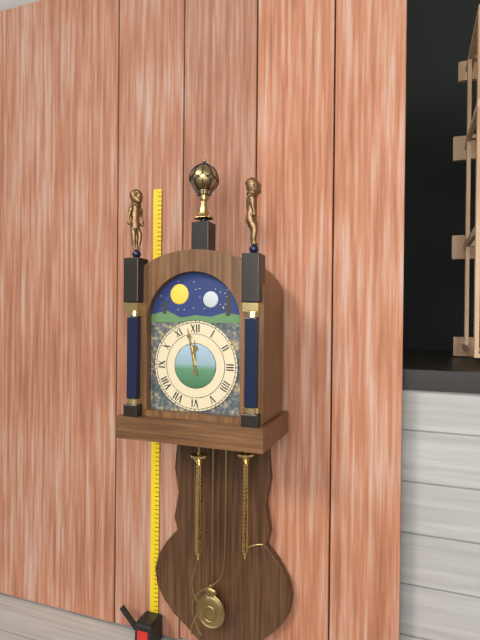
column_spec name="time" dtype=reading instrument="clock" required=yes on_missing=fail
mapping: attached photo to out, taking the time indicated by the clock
11:58
